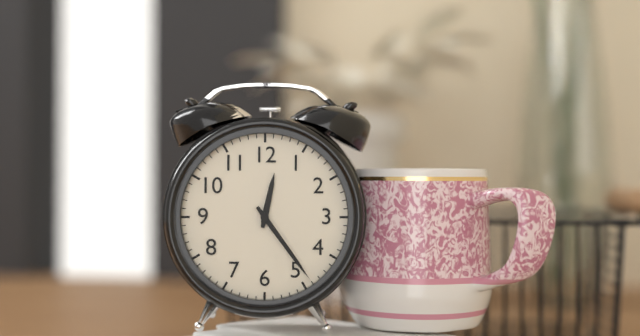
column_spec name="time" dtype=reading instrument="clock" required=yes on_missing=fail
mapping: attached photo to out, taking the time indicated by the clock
12:24
